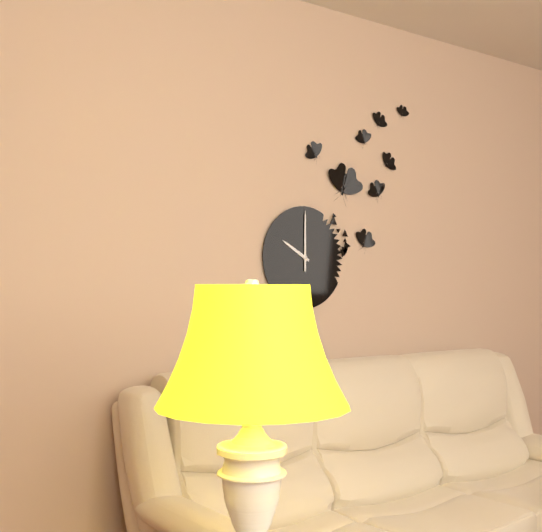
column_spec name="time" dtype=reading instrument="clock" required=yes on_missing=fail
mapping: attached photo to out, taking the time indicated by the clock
10:00
